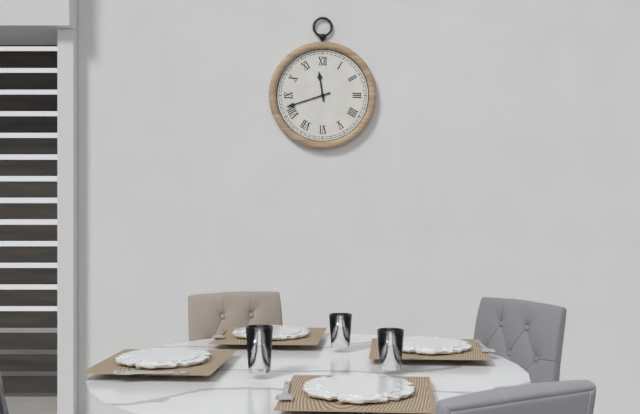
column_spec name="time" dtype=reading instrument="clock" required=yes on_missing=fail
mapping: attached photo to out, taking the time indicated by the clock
11:42
